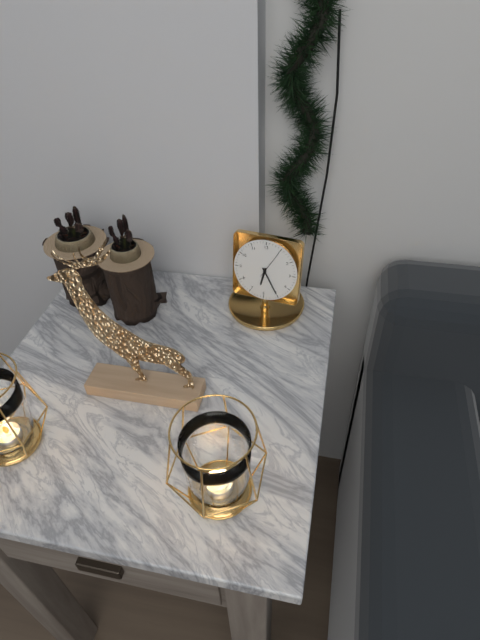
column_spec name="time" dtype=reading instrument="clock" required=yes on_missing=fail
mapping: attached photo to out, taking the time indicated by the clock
6:25
